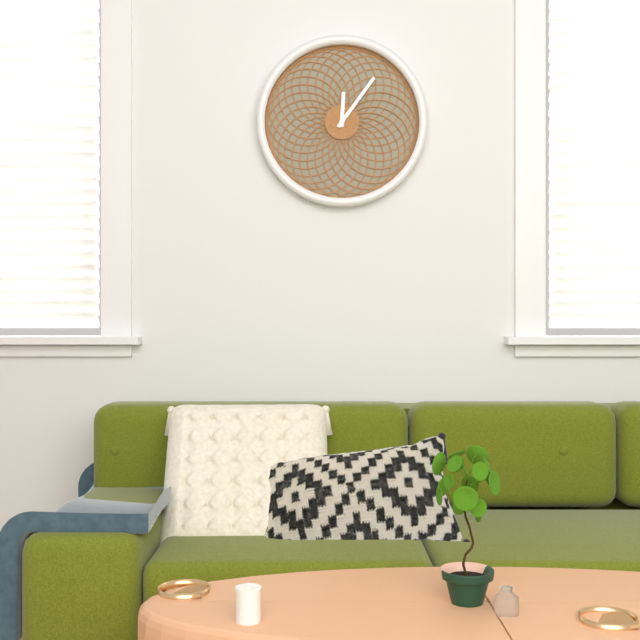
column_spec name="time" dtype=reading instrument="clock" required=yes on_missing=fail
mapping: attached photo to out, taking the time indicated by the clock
12:06
